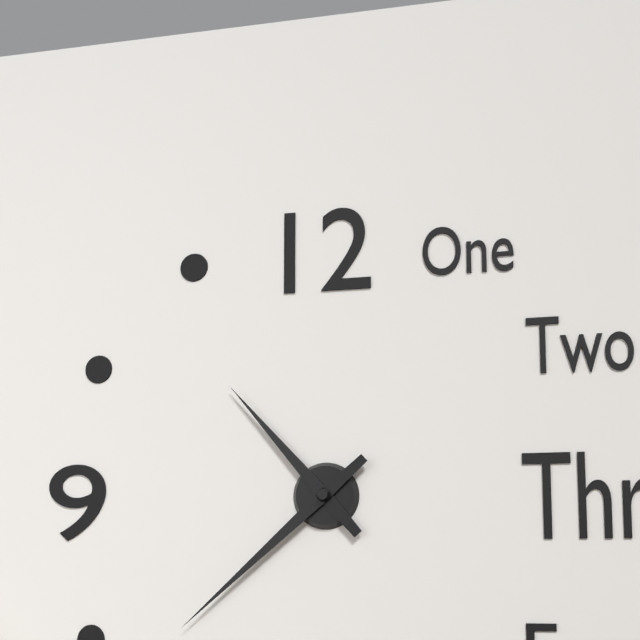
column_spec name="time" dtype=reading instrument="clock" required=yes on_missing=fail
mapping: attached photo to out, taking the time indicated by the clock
10:38
